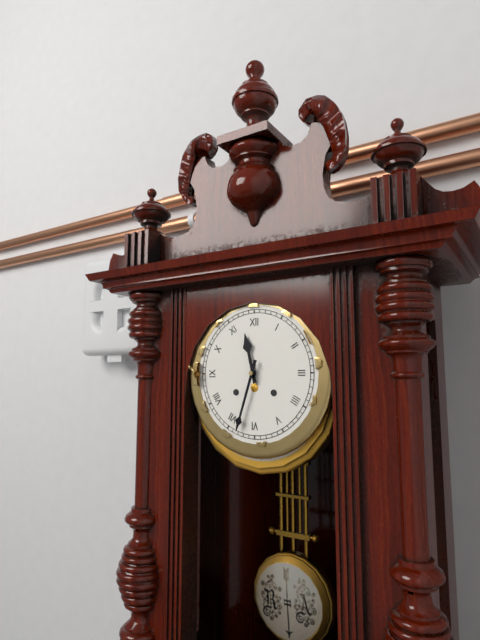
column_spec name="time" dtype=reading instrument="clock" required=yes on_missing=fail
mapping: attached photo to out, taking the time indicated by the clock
11:33
